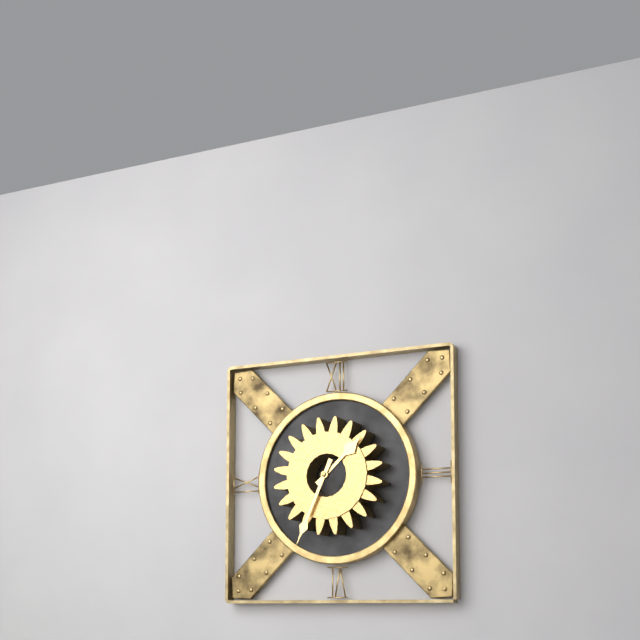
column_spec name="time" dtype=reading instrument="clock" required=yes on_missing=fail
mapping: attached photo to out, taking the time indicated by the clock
1:34
